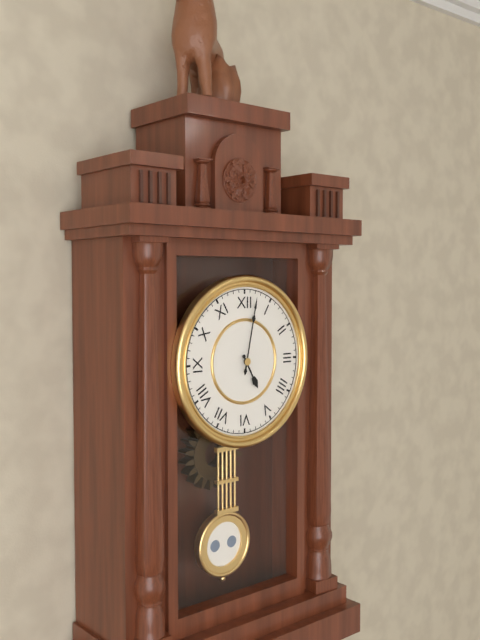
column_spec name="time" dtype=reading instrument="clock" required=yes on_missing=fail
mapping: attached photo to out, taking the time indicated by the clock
5:02
